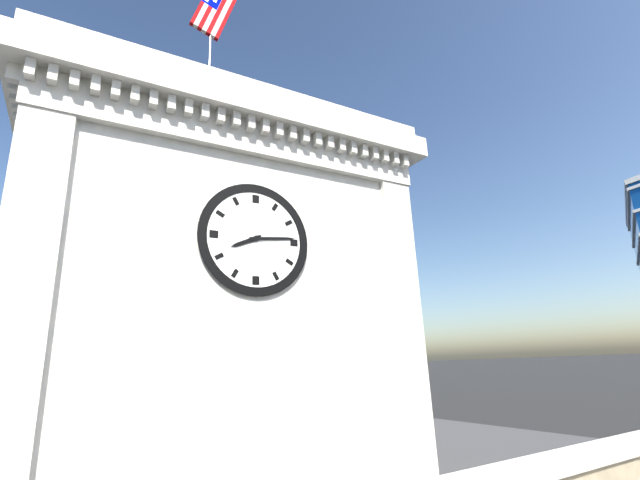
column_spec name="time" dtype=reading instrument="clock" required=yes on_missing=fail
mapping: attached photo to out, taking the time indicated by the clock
8:14
